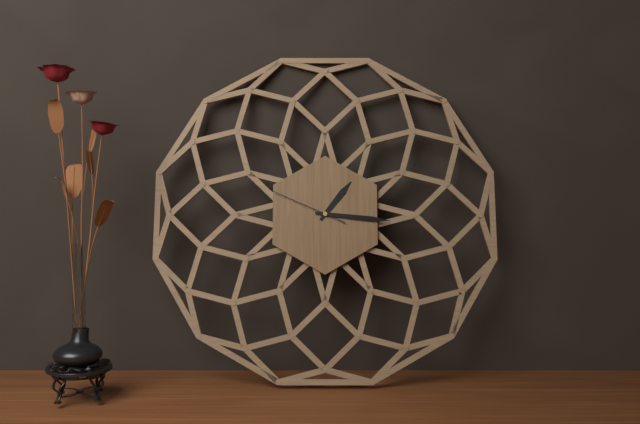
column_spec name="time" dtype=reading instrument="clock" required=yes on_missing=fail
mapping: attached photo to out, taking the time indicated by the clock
1:16:49
